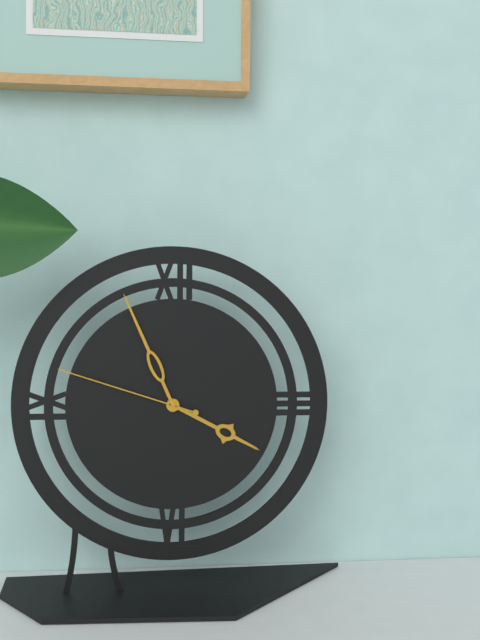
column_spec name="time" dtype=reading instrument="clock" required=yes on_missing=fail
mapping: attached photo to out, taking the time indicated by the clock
3:56:48
